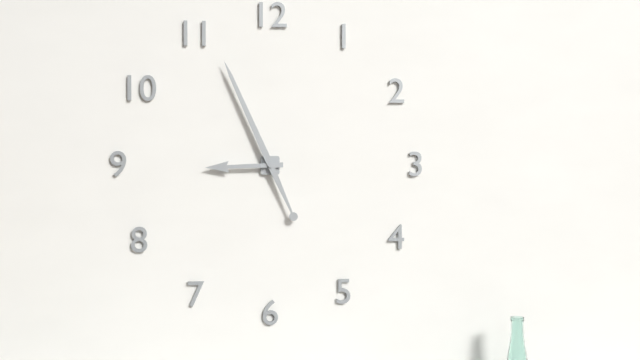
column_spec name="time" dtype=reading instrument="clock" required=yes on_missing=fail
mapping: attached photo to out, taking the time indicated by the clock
8:56
